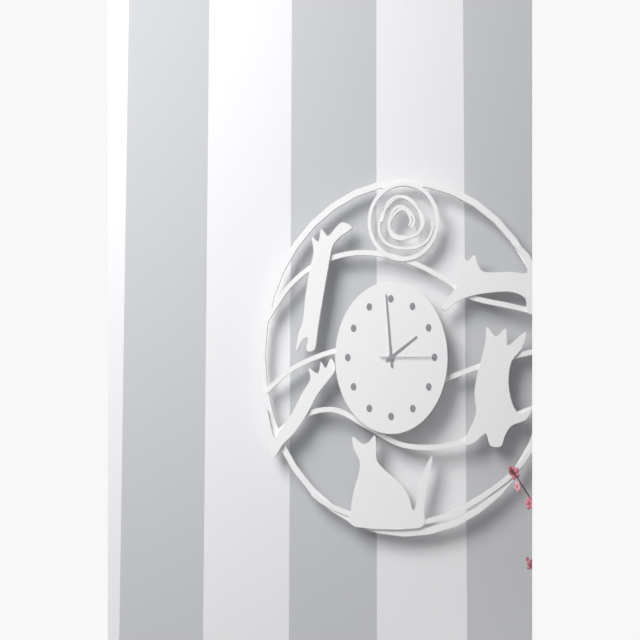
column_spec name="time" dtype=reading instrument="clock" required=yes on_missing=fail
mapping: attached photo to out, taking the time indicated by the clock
1:59:15
